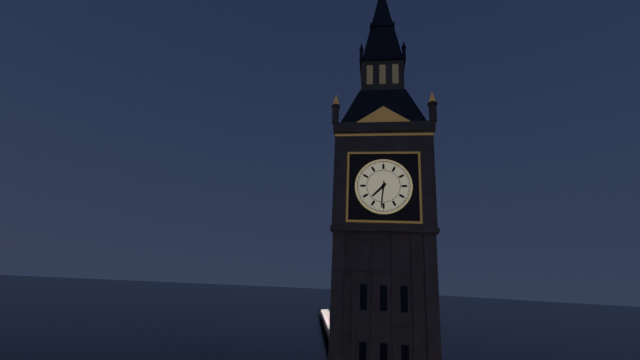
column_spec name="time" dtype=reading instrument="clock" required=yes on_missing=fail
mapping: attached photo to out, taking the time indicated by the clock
7:31
